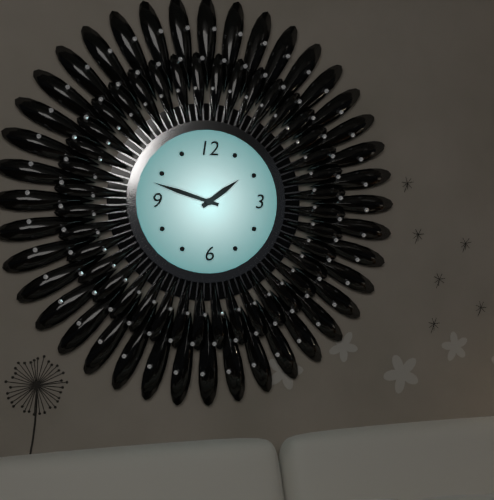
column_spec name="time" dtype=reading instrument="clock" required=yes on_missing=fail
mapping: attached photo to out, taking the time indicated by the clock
1:48
